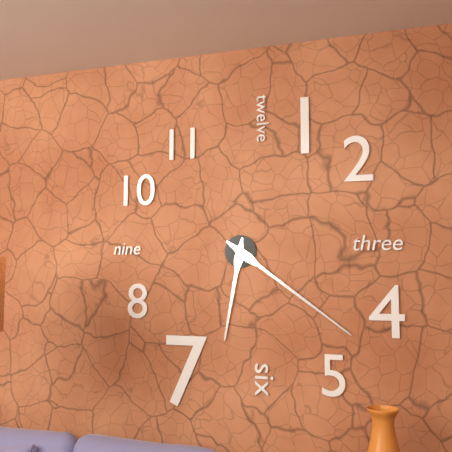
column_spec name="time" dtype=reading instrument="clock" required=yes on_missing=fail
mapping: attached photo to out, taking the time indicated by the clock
6:21
